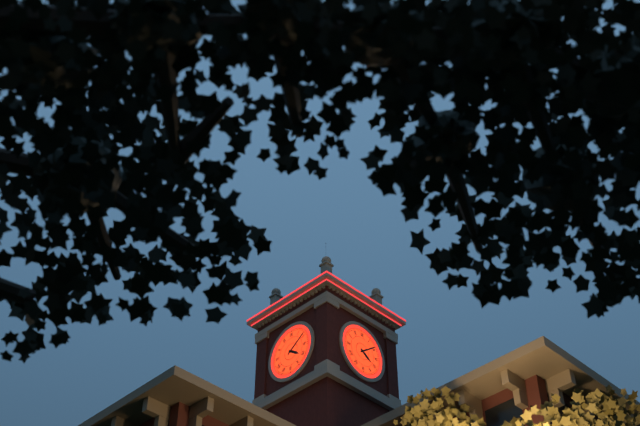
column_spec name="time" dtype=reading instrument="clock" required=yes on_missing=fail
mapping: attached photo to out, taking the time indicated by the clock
4:09
